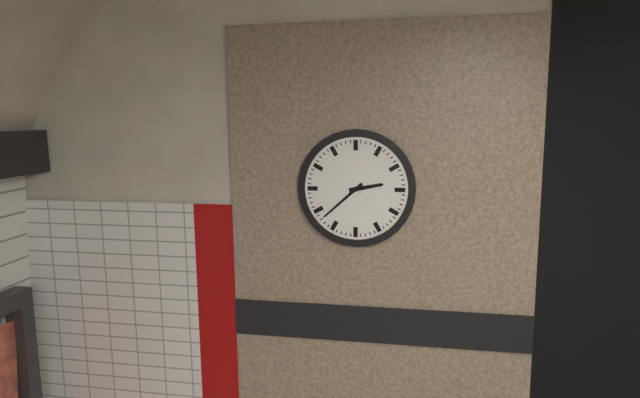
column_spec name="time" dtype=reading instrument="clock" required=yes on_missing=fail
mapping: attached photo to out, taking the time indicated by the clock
2:38
